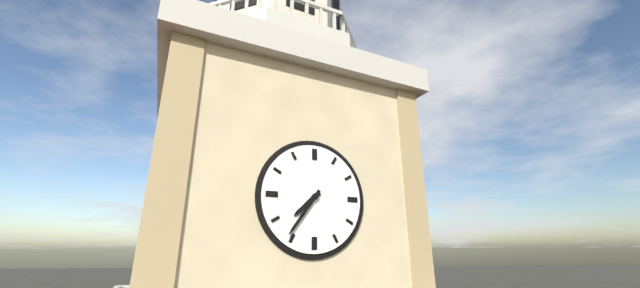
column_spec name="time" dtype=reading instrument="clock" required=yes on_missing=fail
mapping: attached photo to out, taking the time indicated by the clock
7:36
